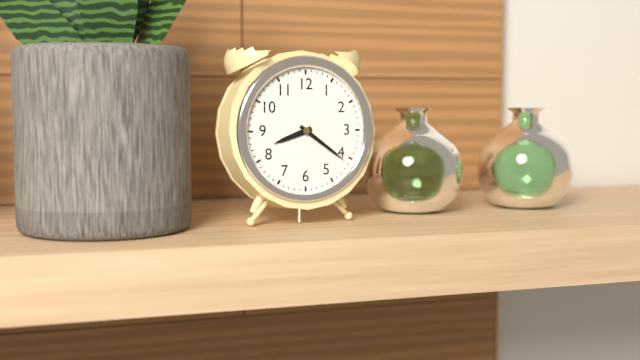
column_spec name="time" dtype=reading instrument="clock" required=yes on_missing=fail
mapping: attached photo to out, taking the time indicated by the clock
8:21
